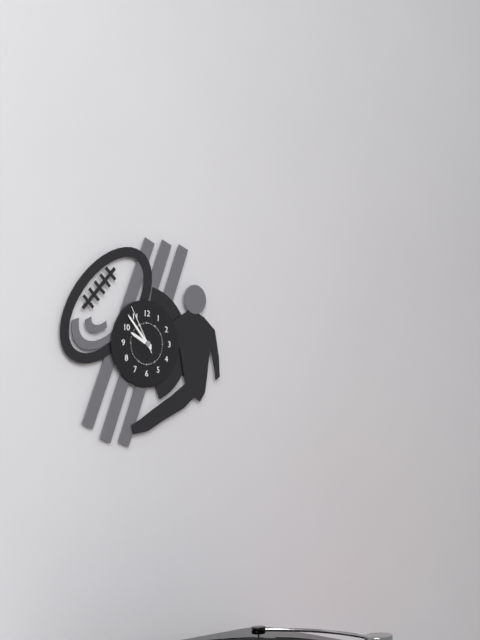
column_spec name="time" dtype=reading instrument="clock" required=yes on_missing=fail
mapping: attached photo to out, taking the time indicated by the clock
9:53:55
